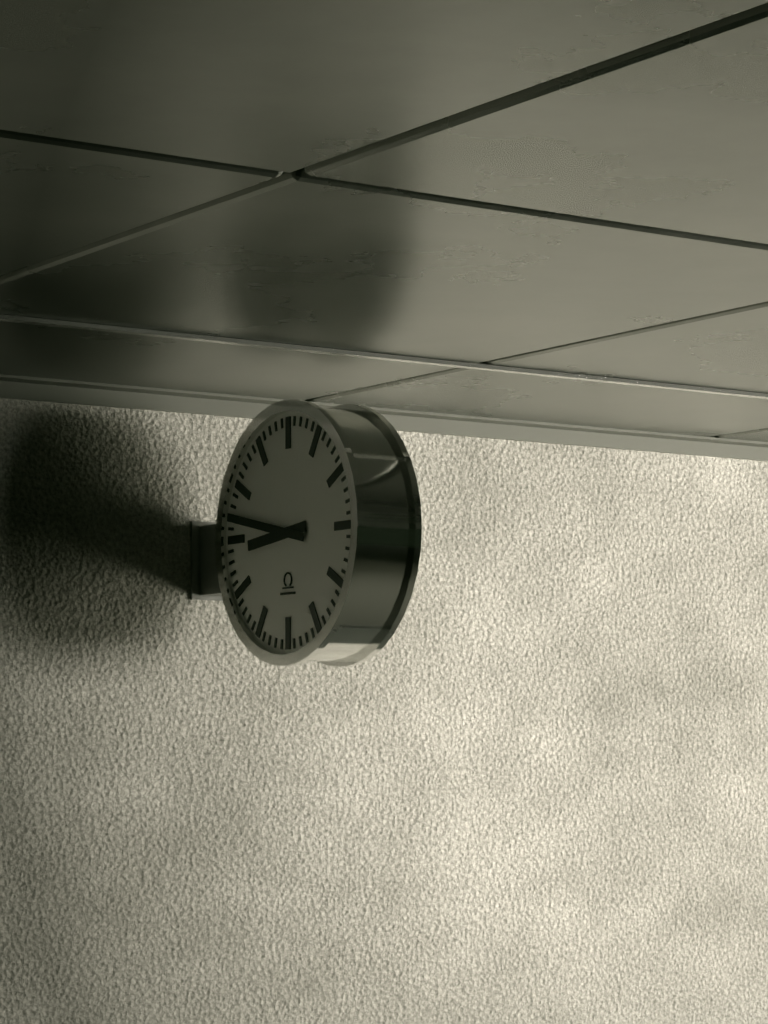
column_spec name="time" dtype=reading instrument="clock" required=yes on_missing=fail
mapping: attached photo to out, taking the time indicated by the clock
8:47
